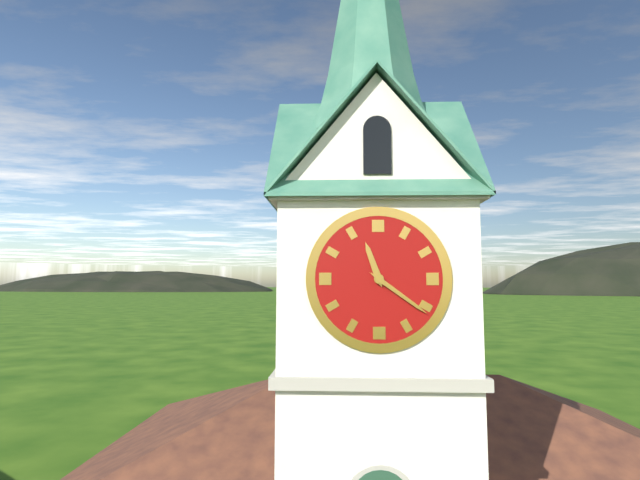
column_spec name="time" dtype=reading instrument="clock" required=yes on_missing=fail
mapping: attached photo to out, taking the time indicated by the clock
11:21
